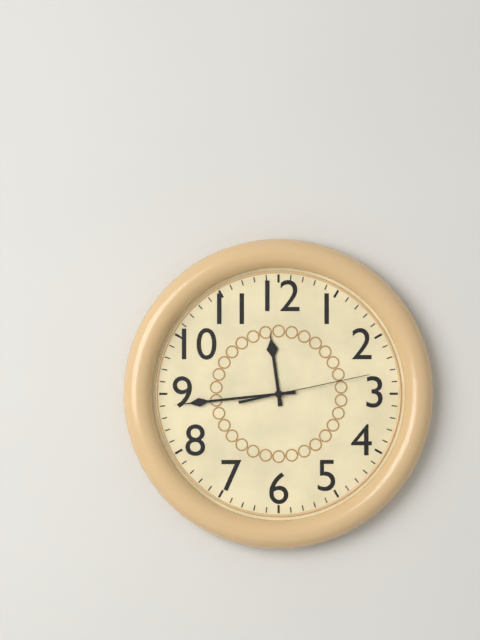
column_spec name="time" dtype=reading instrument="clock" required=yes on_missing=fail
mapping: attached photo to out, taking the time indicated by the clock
11:44:13
